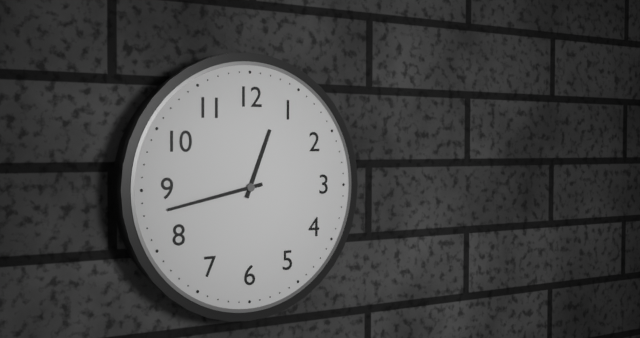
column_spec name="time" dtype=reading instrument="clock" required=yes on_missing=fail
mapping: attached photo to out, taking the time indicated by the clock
12:43
